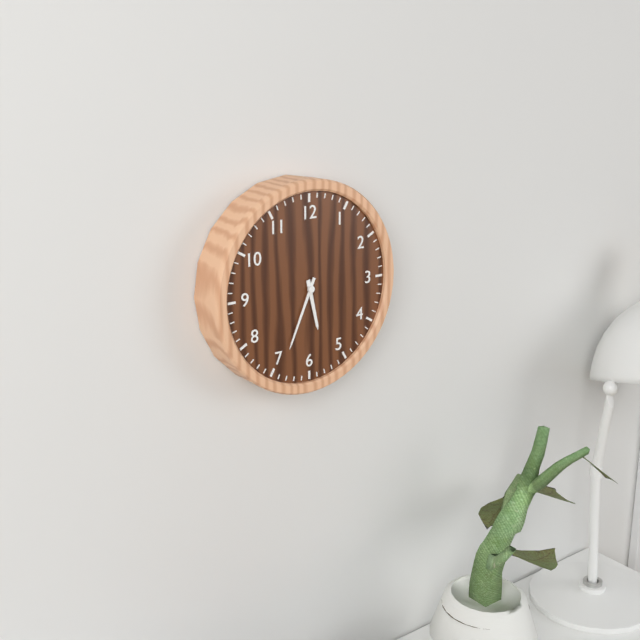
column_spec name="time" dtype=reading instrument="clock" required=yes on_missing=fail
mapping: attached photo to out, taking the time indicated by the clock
5:34
